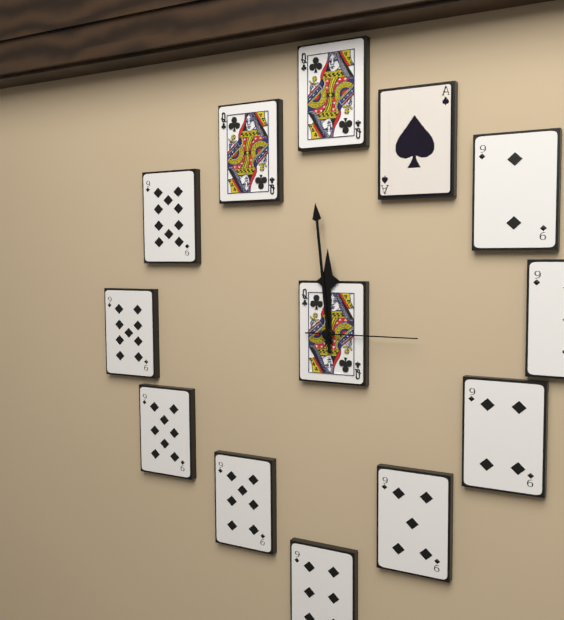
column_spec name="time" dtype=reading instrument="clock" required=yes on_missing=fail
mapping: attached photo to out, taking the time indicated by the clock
11:59:15
